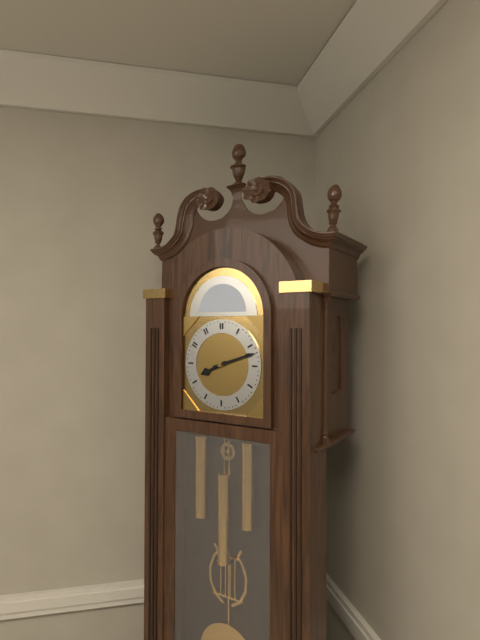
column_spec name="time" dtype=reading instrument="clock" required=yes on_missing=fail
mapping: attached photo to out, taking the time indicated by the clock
8:12
